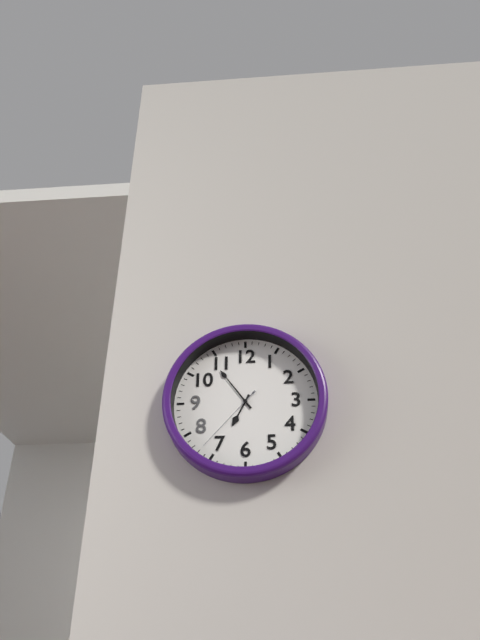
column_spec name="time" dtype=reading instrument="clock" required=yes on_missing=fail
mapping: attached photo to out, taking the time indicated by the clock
6:54:37
